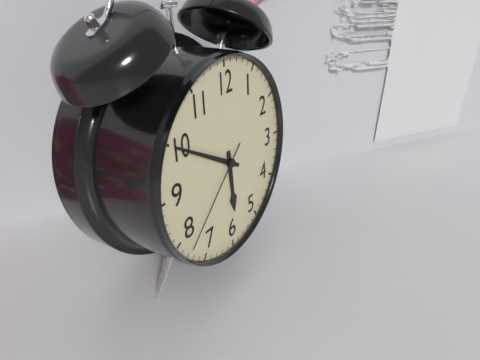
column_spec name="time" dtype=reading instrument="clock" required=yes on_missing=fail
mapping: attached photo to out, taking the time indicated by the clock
5:50:38
